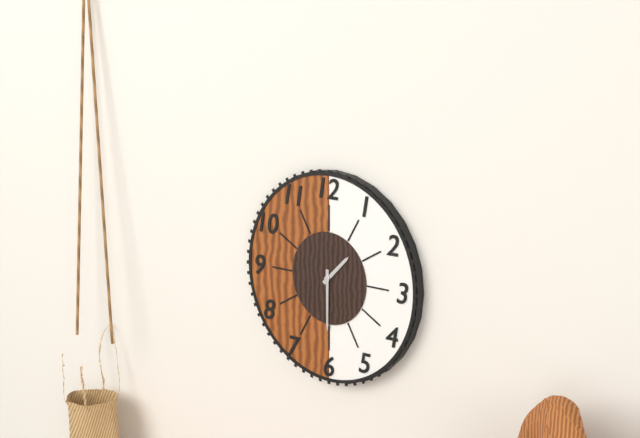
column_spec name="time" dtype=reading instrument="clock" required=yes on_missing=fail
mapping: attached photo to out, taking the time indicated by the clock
1:30
